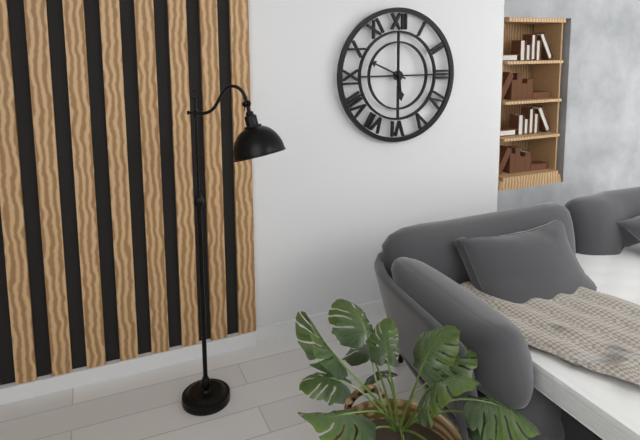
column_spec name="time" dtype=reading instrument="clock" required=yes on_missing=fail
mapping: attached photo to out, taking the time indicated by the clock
5:49
